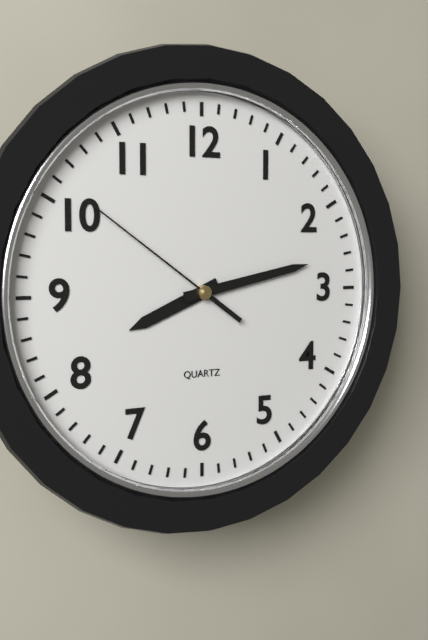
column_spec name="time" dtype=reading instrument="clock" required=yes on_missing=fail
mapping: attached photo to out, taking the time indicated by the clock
8:13:51
